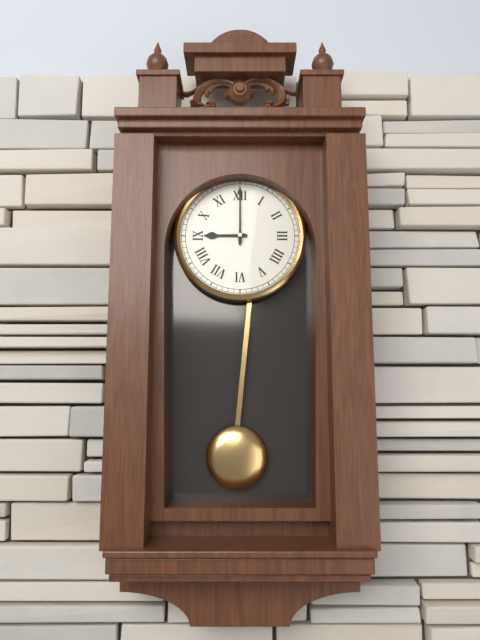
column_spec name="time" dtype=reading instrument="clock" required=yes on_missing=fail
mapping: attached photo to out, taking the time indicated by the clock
9:00
